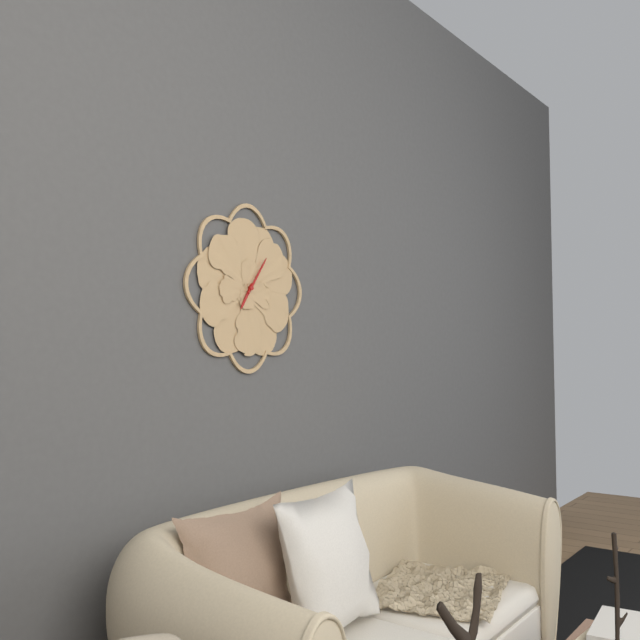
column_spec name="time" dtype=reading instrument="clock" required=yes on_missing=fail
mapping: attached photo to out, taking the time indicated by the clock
7:06
